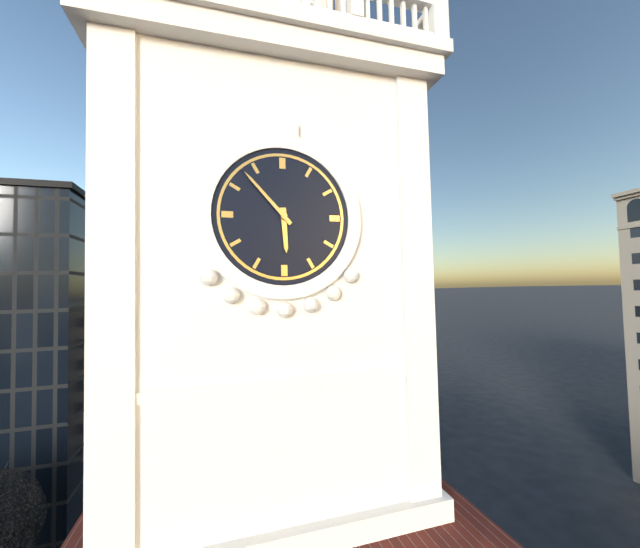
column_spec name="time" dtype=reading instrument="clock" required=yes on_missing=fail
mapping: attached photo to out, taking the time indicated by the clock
5:53
